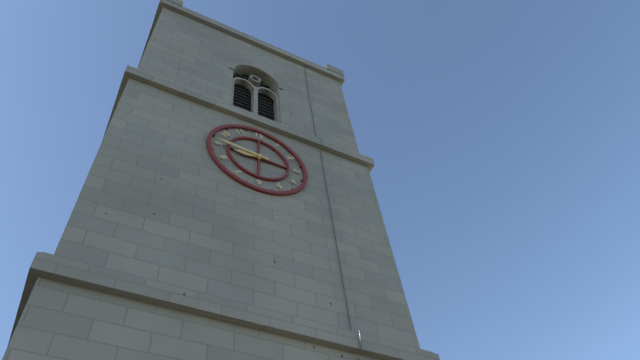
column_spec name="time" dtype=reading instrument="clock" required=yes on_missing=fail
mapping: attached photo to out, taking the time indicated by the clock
8:46
